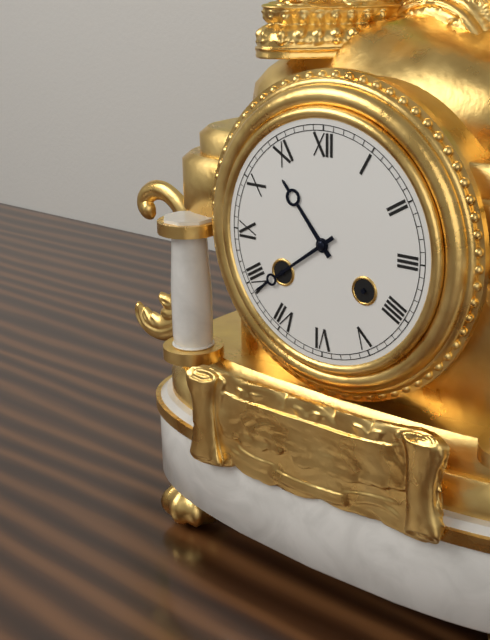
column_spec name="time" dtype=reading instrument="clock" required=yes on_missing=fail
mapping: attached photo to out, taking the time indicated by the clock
10:39
